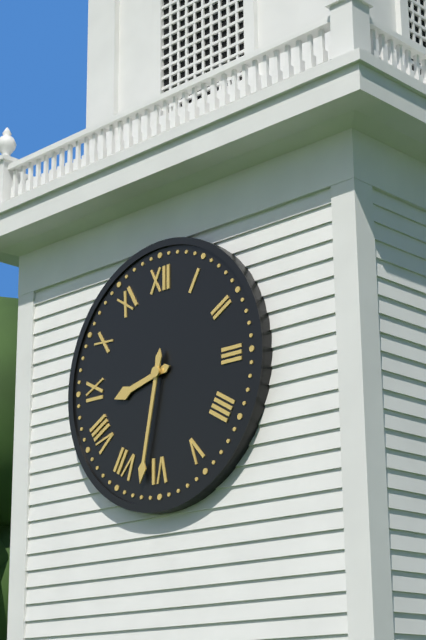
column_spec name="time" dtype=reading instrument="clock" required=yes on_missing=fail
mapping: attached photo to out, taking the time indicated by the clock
8:32
